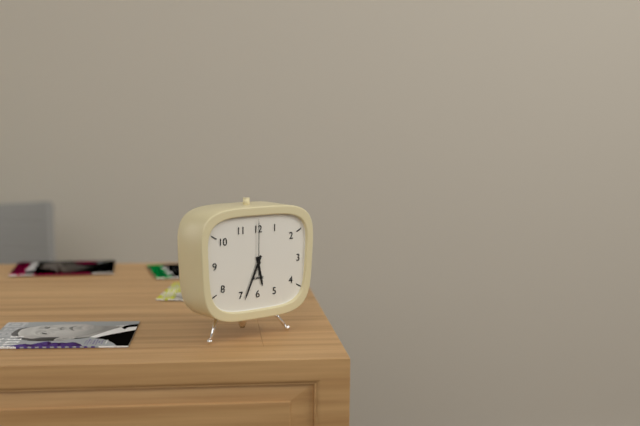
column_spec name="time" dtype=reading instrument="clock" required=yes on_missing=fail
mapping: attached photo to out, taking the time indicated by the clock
5:34:00
